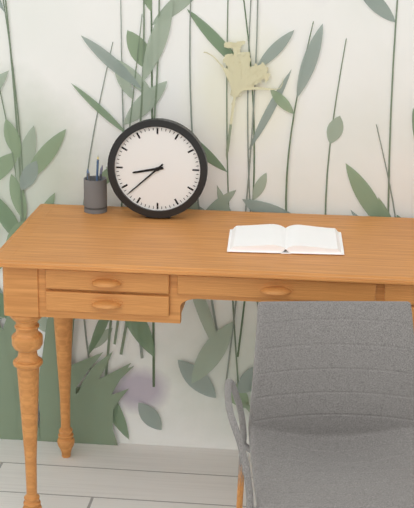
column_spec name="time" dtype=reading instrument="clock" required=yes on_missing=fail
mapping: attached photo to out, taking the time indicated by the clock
8:38
